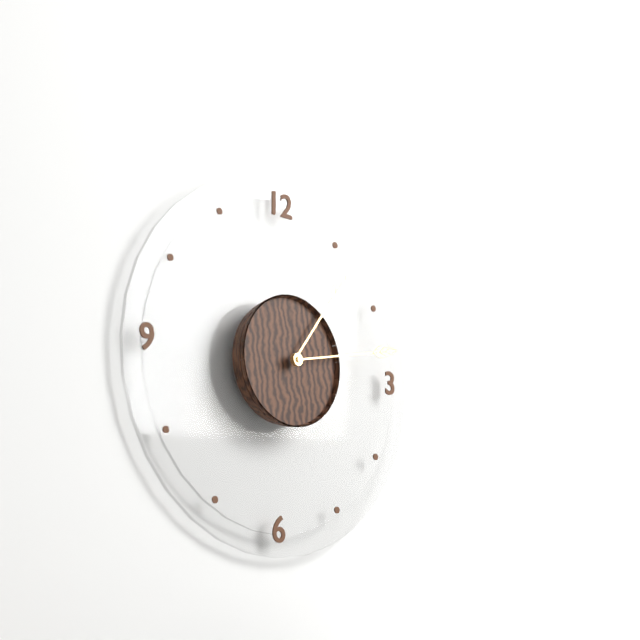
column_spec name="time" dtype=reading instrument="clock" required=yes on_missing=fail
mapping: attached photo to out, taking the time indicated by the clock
1:13
